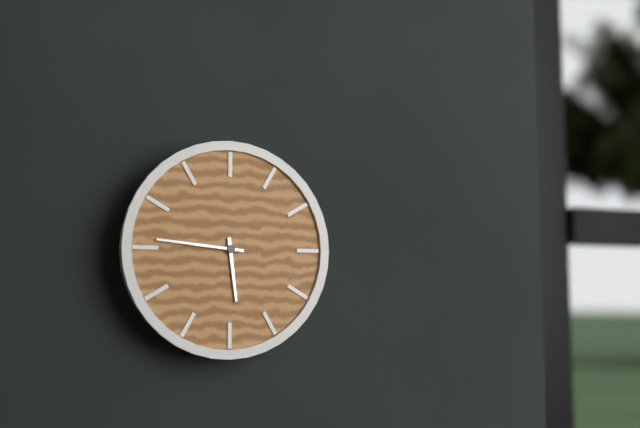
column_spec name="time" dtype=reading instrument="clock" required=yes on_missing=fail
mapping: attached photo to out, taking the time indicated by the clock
5:46
